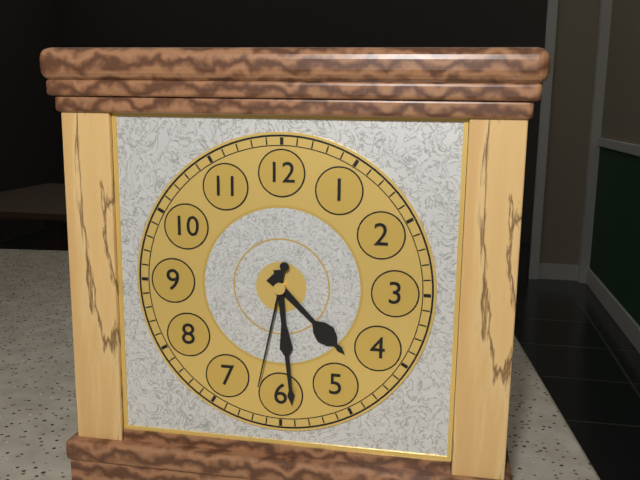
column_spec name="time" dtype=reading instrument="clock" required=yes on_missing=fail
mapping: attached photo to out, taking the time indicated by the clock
4:29:32
